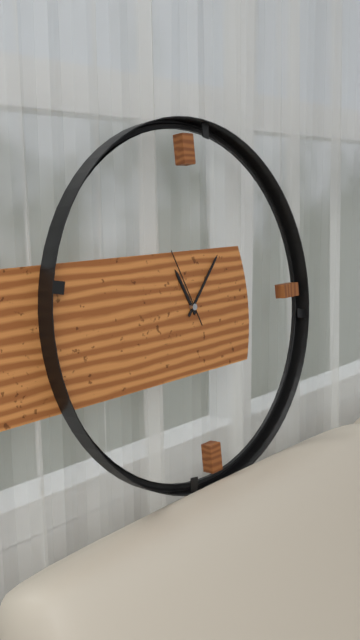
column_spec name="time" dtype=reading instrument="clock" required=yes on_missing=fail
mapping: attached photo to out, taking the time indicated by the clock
11:07:56
